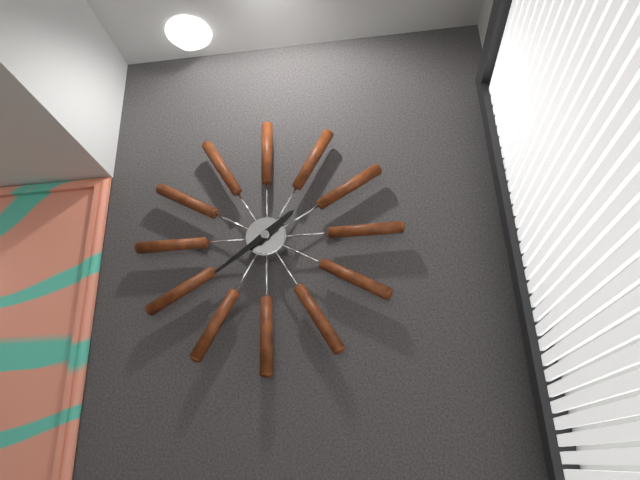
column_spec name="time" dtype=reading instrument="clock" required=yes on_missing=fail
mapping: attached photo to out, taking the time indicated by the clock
1:39
